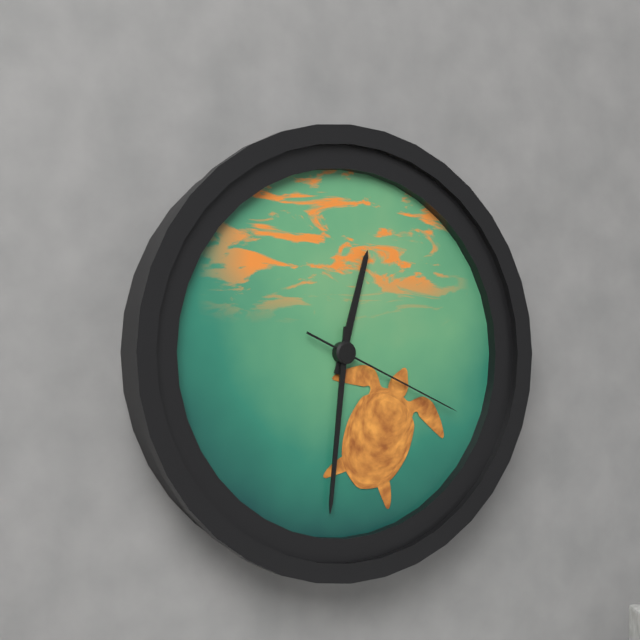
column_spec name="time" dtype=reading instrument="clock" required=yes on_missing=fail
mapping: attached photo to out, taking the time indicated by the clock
12:31:19
